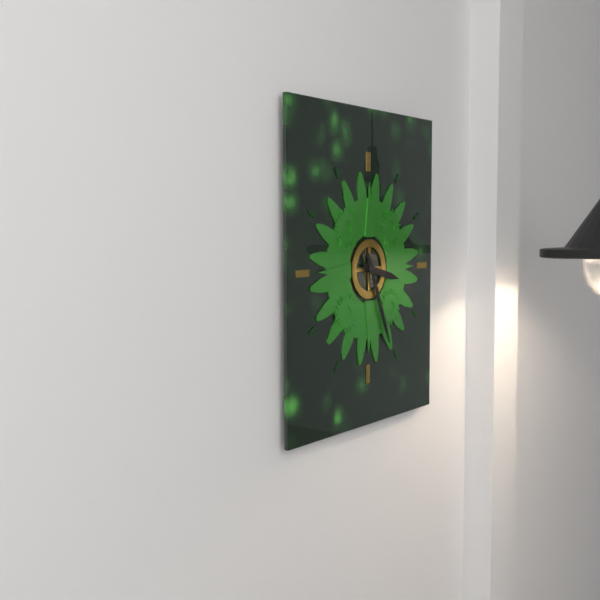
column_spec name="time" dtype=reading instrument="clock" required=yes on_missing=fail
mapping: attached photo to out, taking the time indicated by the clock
3:26
